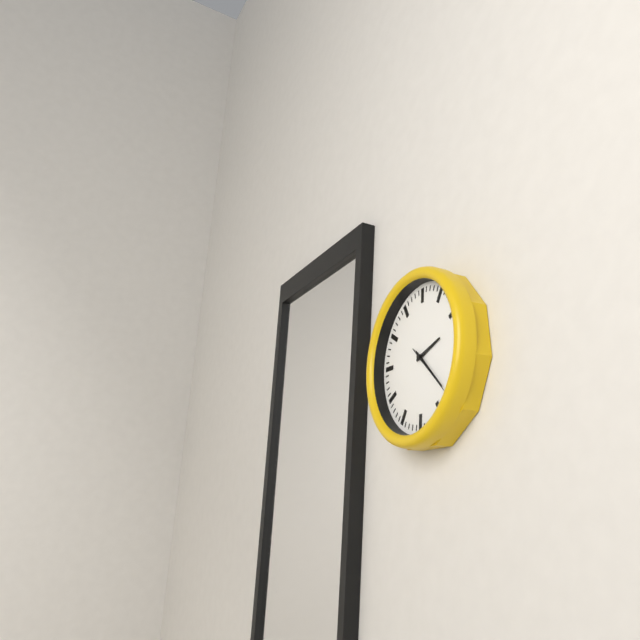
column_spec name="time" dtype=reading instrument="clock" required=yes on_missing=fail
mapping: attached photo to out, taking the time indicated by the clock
2:22
